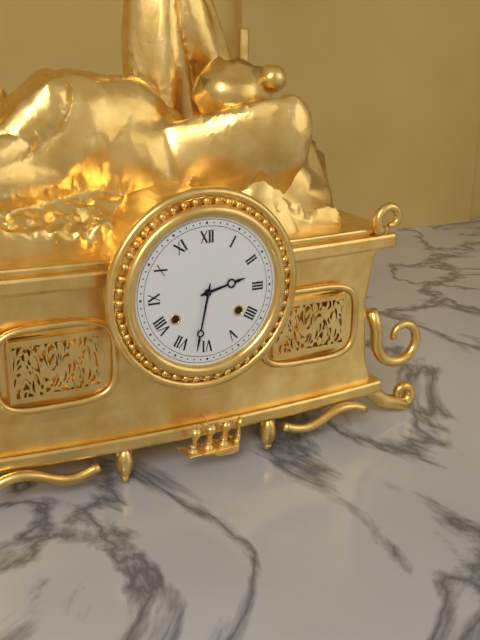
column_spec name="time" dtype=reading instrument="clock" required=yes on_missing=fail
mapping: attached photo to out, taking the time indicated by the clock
2:32
